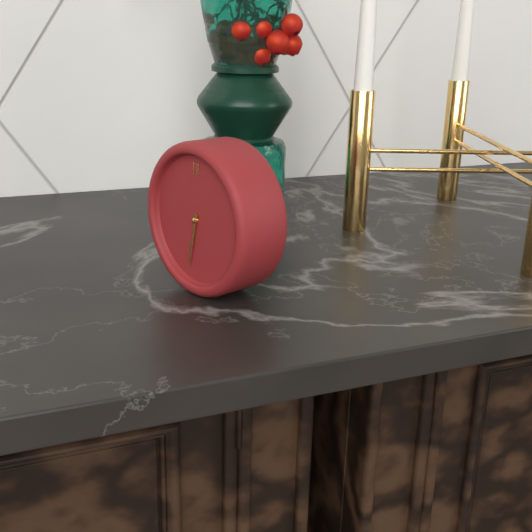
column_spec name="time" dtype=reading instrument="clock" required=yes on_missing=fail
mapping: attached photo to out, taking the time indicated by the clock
6:32
